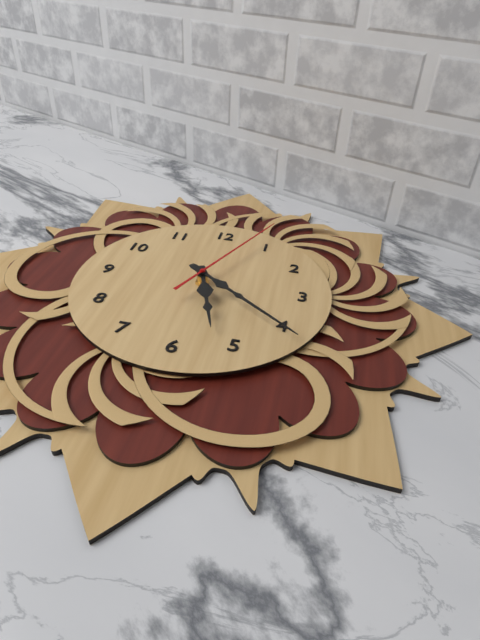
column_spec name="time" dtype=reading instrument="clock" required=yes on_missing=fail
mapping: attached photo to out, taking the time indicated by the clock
5:21:04
